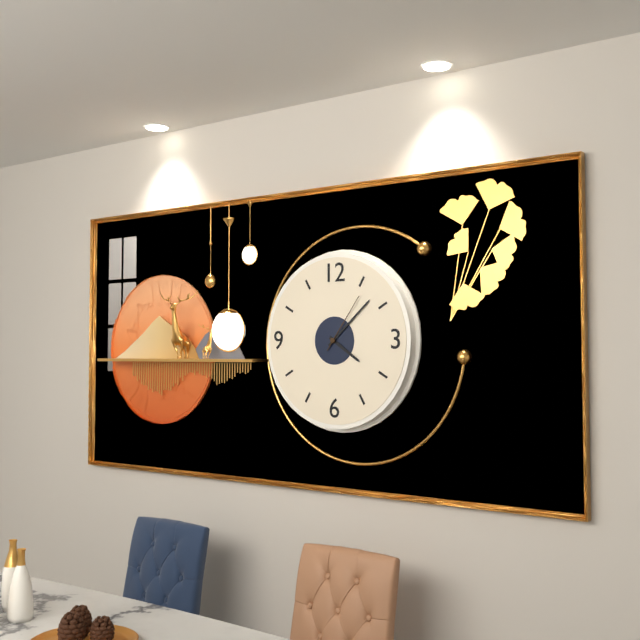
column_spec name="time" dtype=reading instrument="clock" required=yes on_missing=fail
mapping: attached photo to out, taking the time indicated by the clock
4:08:06
